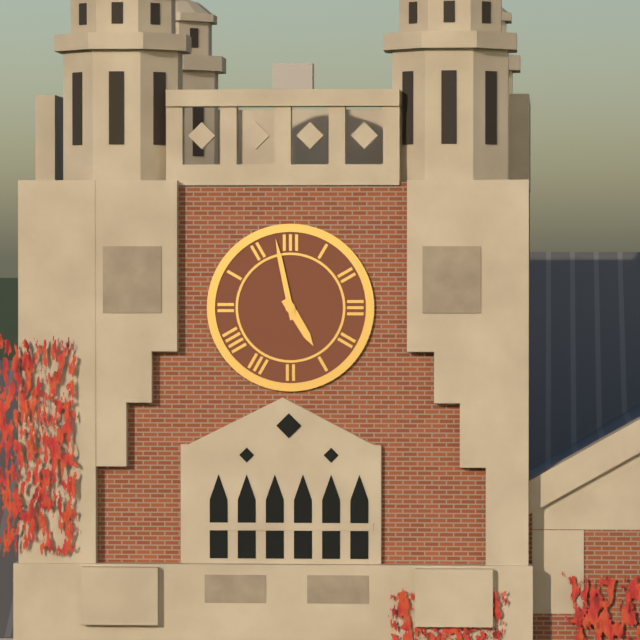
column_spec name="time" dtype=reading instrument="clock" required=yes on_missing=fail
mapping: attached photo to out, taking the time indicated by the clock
4:58
